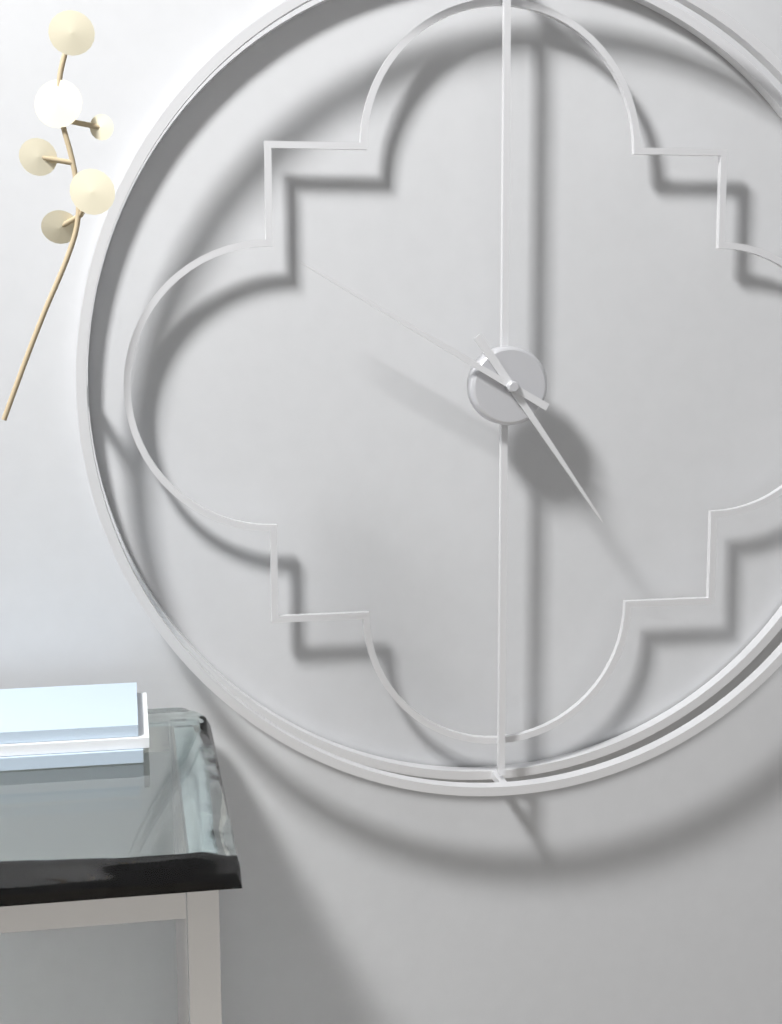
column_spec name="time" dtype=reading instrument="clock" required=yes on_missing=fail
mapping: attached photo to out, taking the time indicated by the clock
4:50
